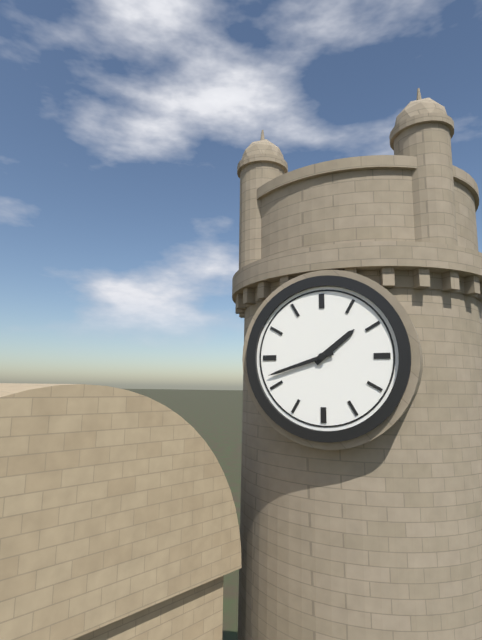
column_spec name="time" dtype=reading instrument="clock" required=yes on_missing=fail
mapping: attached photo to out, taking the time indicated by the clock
1:42
